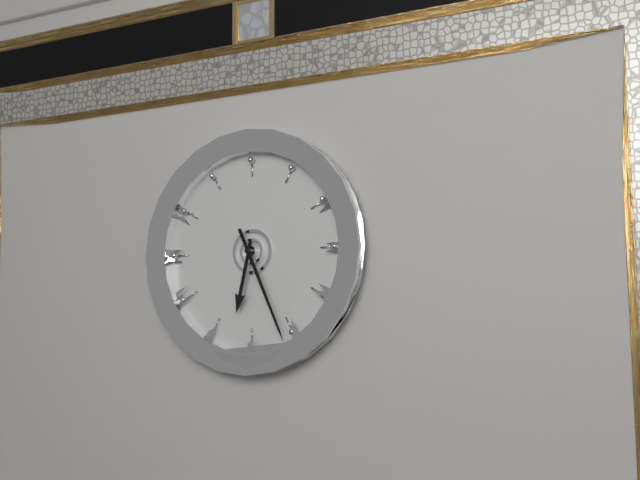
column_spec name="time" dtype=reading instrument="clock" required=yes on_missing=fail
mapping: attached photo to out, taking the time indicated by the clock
6:26
